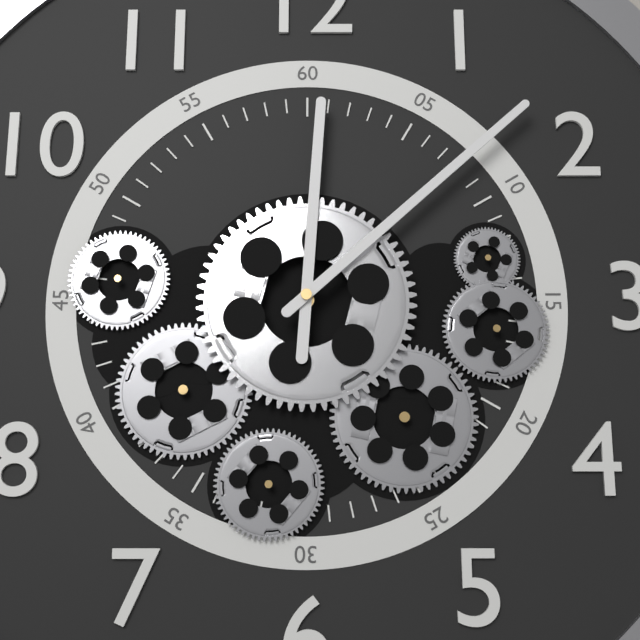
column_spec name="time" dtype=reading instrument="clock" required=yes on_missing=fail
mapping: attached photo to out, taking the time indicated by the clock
12:08
